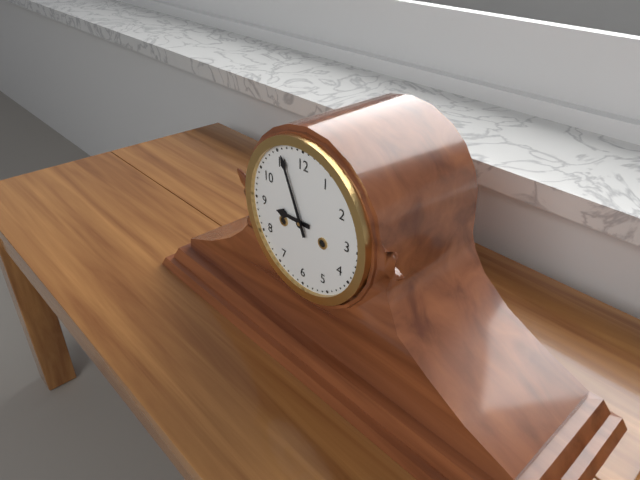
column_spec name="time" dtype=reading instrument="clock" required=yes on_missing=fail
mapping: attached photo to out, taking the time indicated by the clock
8:56
